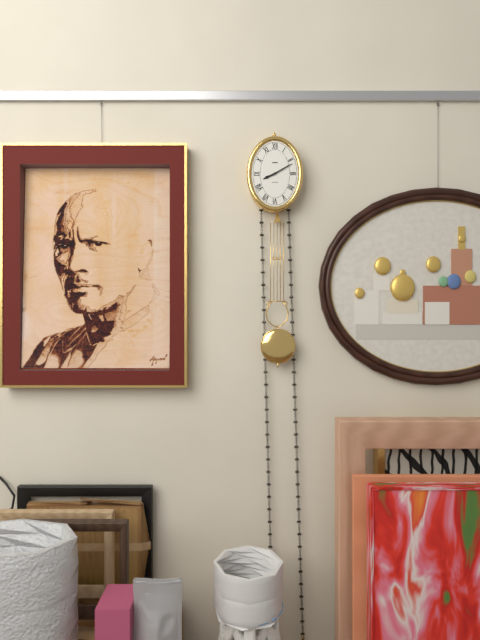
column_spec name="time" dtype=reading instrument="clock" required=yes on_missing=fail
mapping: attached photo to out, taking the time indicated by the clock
8:10
